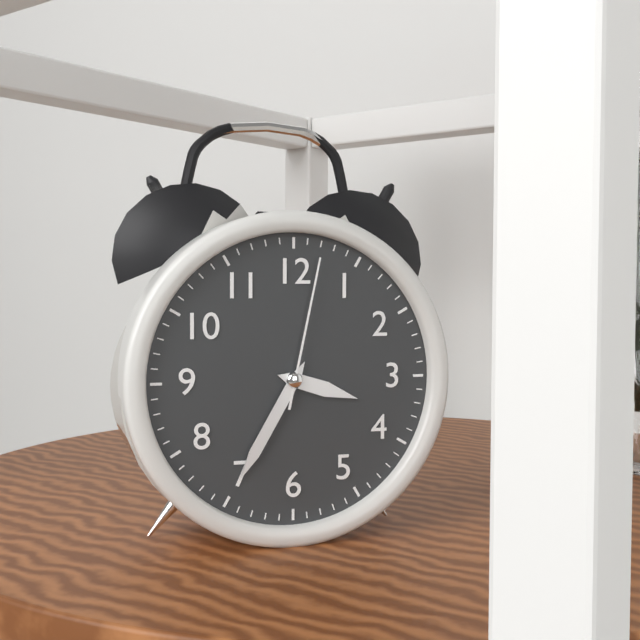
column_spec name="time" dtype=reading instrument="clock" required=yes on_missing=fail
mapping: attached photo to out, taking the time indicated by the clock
3:35:02
